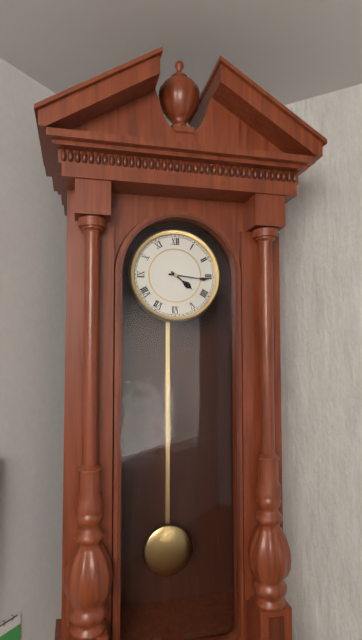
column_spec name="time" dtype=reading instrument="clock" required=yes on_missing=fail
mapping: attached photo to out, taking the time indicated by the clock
4:16
